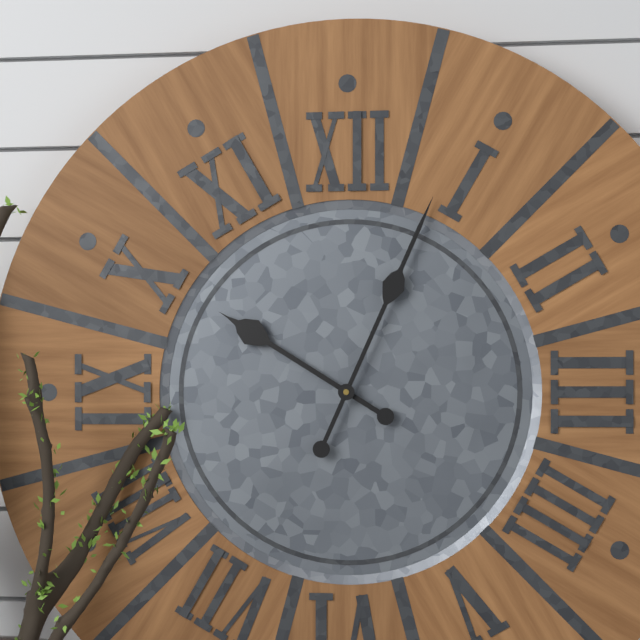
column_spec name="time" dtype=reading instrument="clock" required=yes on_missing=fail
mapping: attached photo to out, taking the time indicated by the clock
10:04
